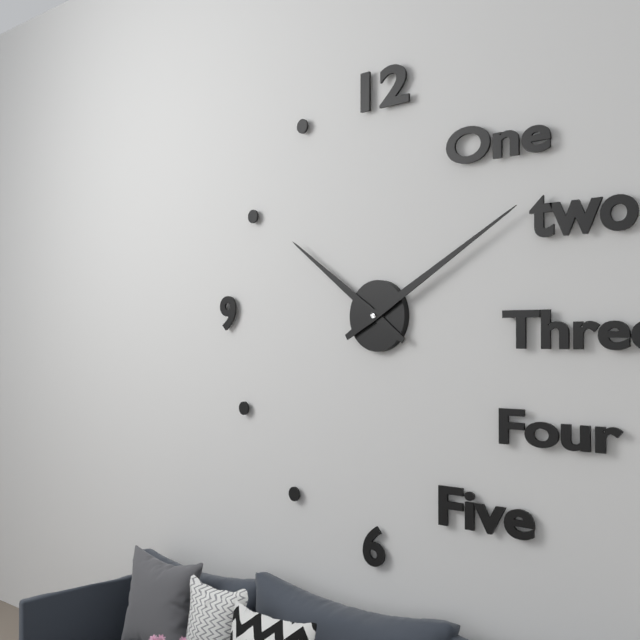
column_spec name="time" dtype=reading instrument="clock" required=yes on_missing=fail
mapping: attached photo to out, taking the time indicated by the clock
10:10
